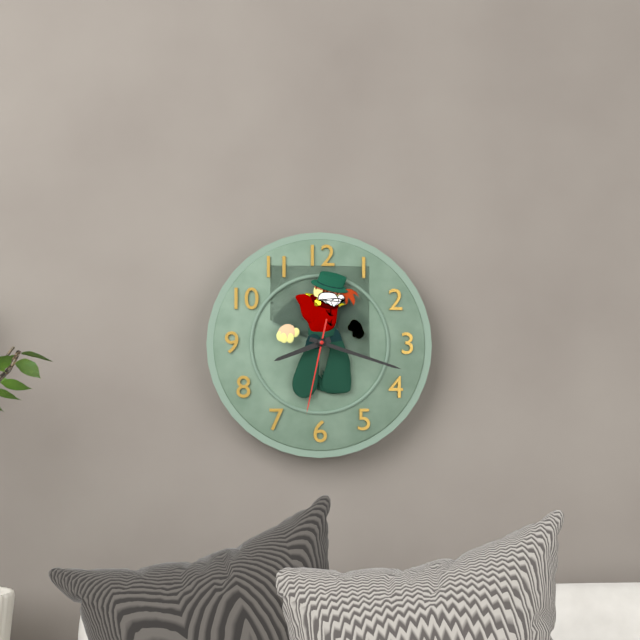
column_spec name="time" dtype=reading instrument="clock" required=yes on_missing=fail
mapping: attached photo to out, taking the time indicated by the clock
8:18:32
